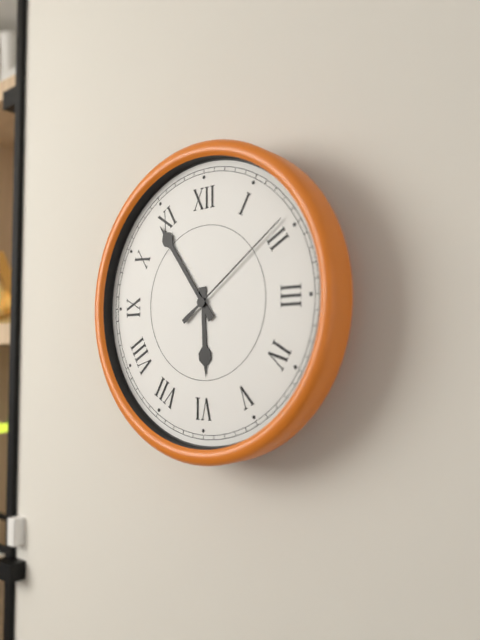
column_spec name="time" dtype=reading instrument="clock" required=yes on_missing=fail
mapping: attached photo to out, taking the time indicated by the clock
5:54:09
